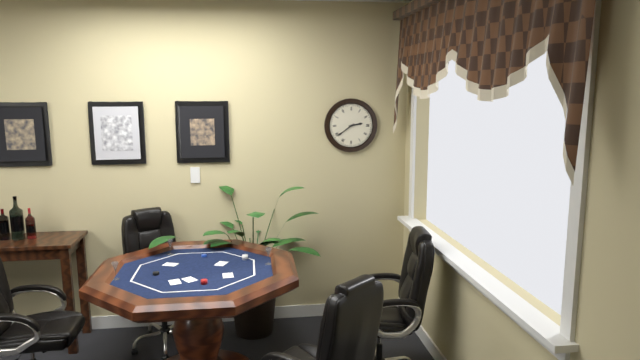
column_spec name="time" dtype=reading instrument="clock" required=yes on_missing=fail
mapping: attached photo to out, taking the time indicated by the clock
2:39
